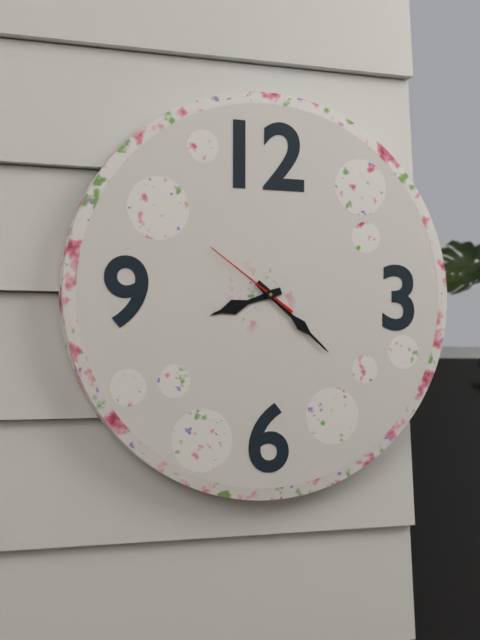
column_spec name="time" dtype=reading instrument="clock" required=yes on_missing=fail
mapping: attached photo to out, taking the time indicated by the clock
8:22:51
